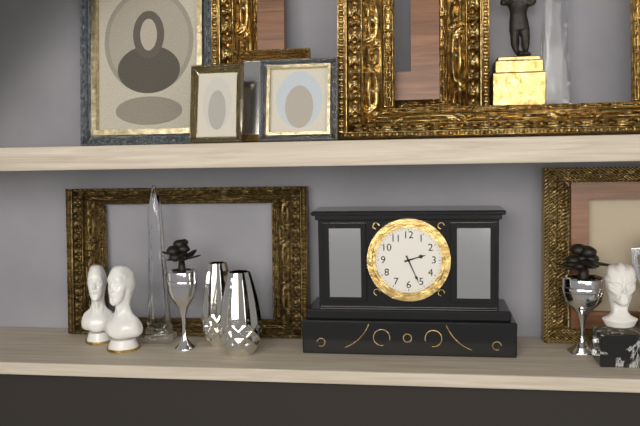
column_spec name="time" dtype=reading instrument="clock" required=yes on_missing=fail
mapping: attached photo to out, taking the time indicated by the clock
2:26
